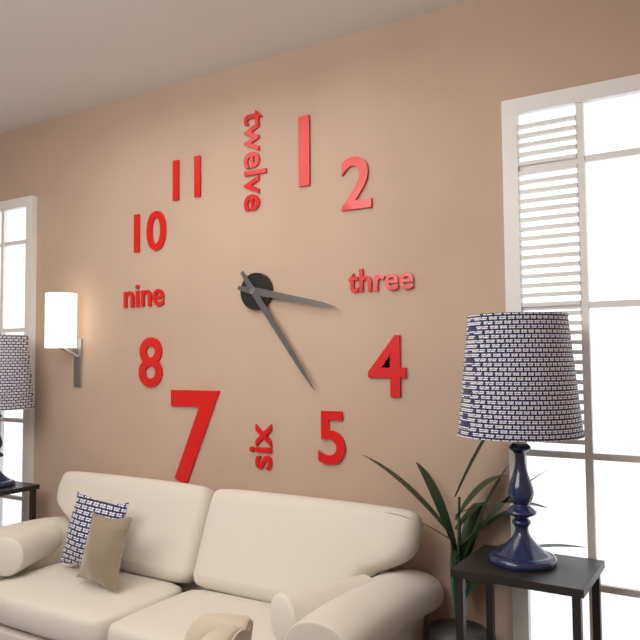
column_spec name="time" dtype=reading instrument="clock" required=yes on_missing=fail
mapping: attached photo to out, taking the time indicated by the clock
3:24
